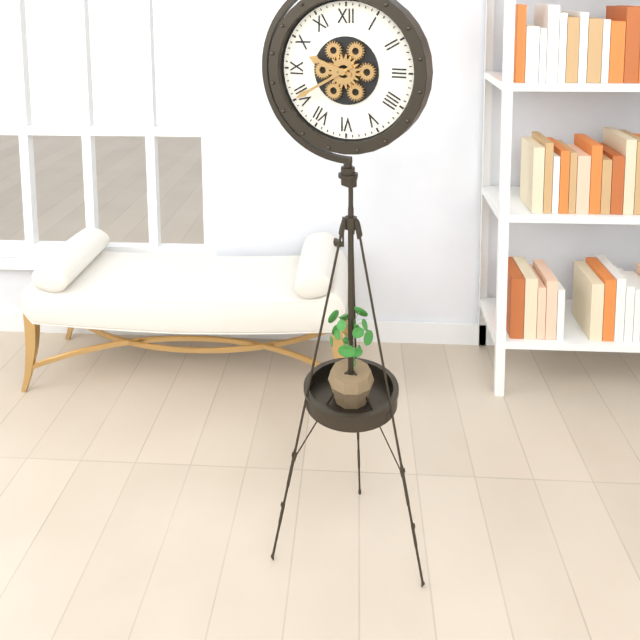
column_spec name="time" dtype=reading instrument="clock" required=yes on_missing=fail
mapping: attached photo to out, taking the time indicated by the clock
9:40
